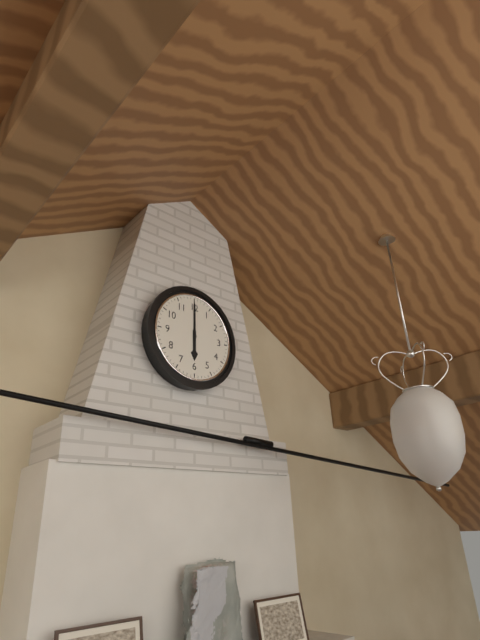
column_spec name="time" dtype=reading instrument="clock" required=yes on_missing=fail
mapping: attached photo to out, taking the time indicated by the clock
6:00
